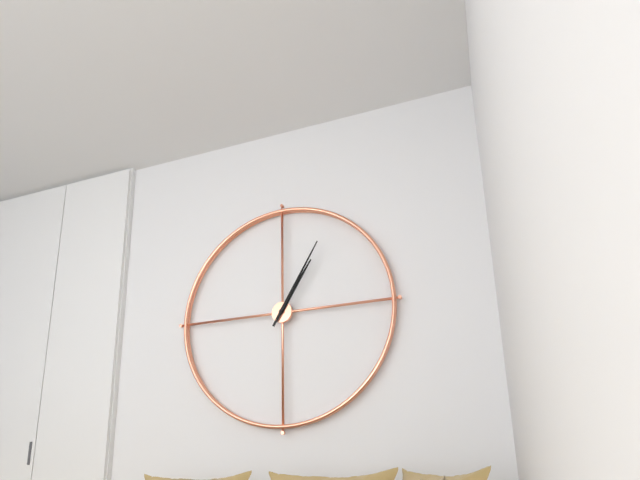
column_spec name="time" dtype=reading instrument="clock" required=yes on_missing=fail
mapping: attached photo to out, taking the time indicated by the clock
1:05
